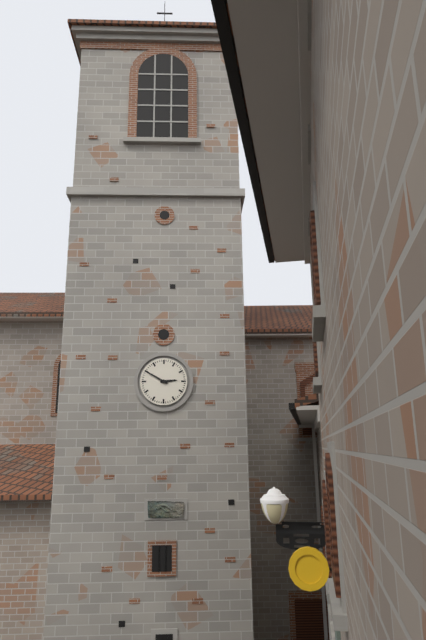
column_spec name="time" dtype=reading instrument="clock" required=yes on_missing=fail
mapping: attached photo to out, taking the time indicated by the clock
2:50
